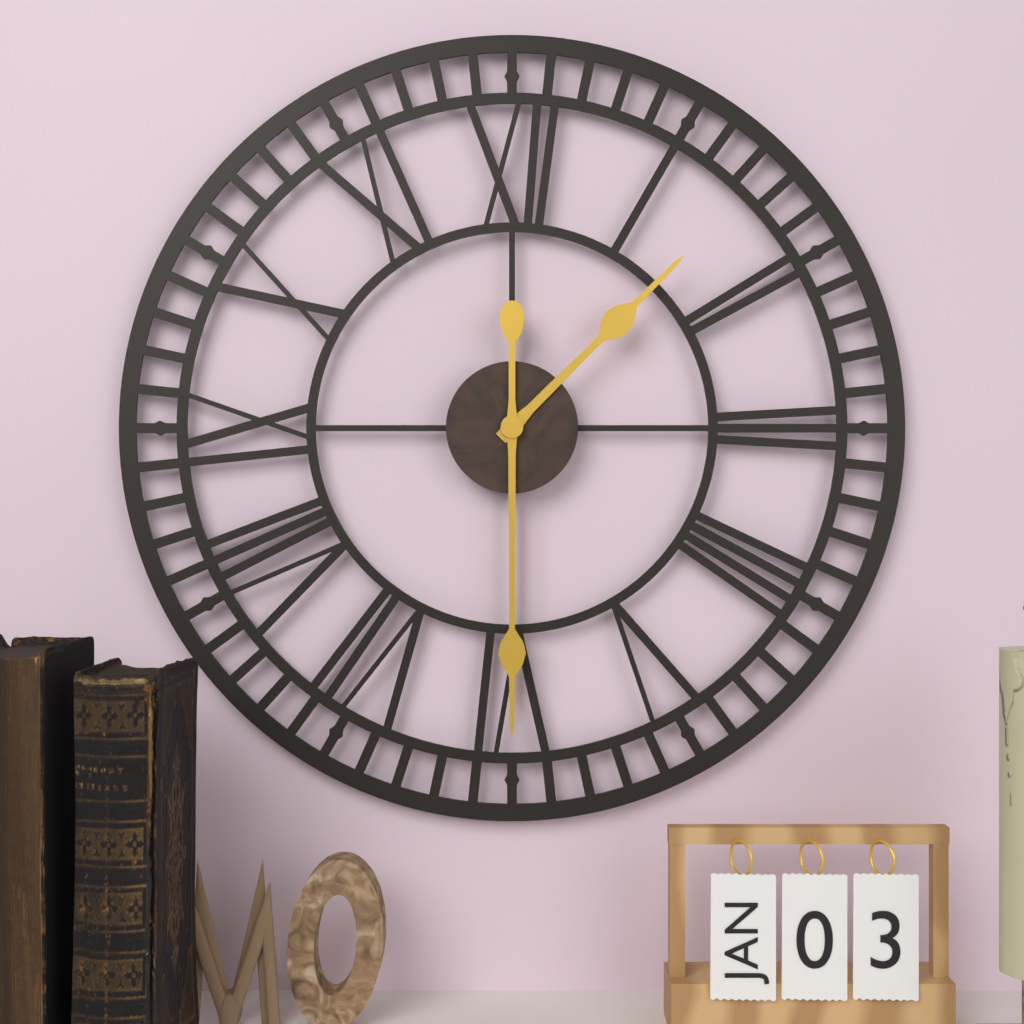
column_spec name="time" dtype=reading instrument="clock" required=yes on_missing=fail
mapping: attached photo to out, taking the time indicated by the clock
1:30
